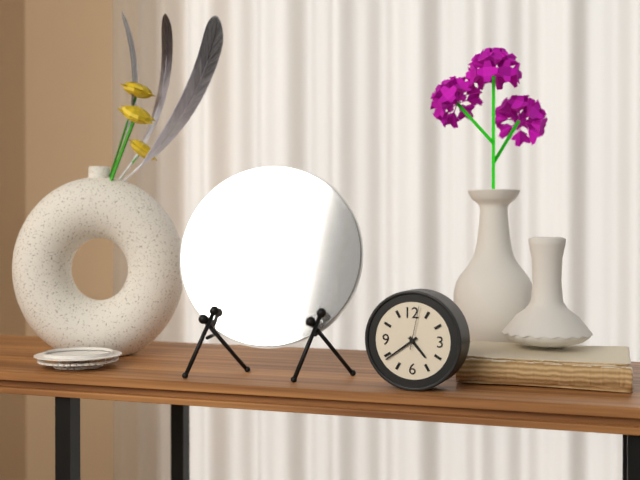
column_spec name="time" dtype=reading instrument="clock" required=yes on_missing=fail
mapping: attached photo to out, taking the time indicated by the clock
4:39
